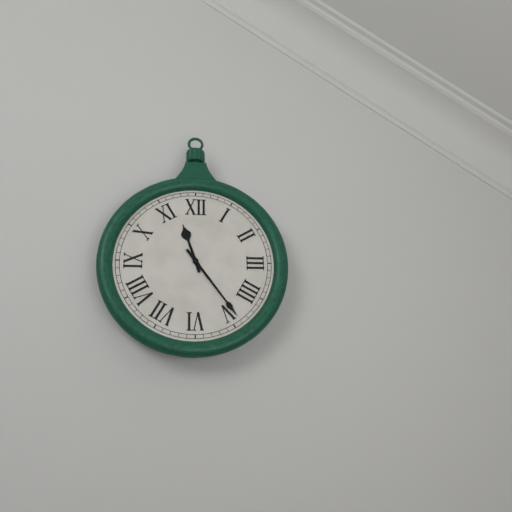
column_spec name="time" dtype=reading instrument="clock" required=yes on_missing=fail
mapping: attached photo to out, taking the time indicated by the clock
11:24
